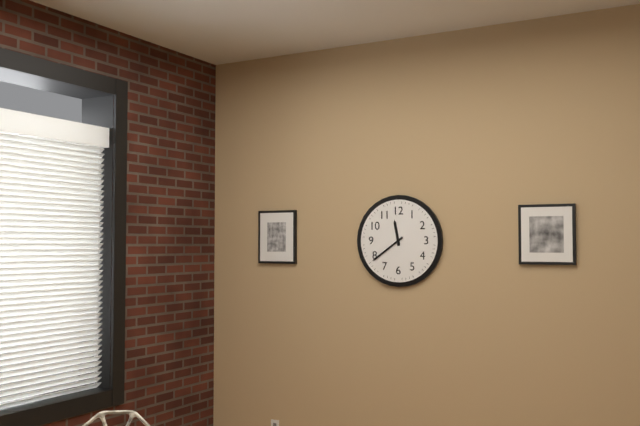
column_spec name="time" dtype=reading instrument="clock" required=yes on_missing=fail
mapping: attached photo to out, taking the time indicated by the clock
11:39
